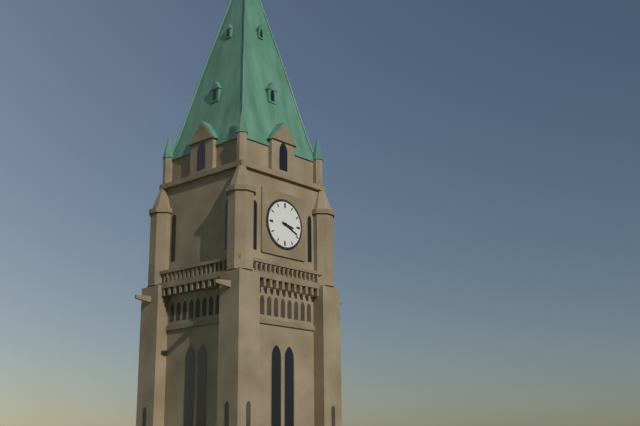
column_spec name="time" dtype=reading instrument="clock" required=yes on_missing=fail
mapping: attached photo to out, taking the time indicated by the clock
3:19
